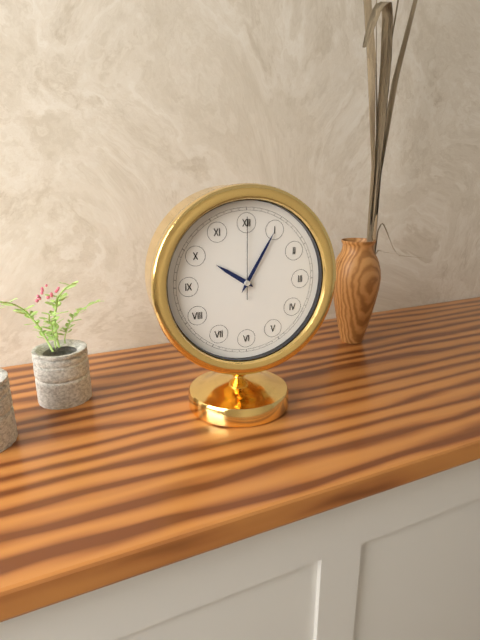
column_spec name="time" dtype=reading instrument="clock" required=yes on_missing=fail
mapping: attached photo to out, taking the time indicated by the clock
10:05:00
